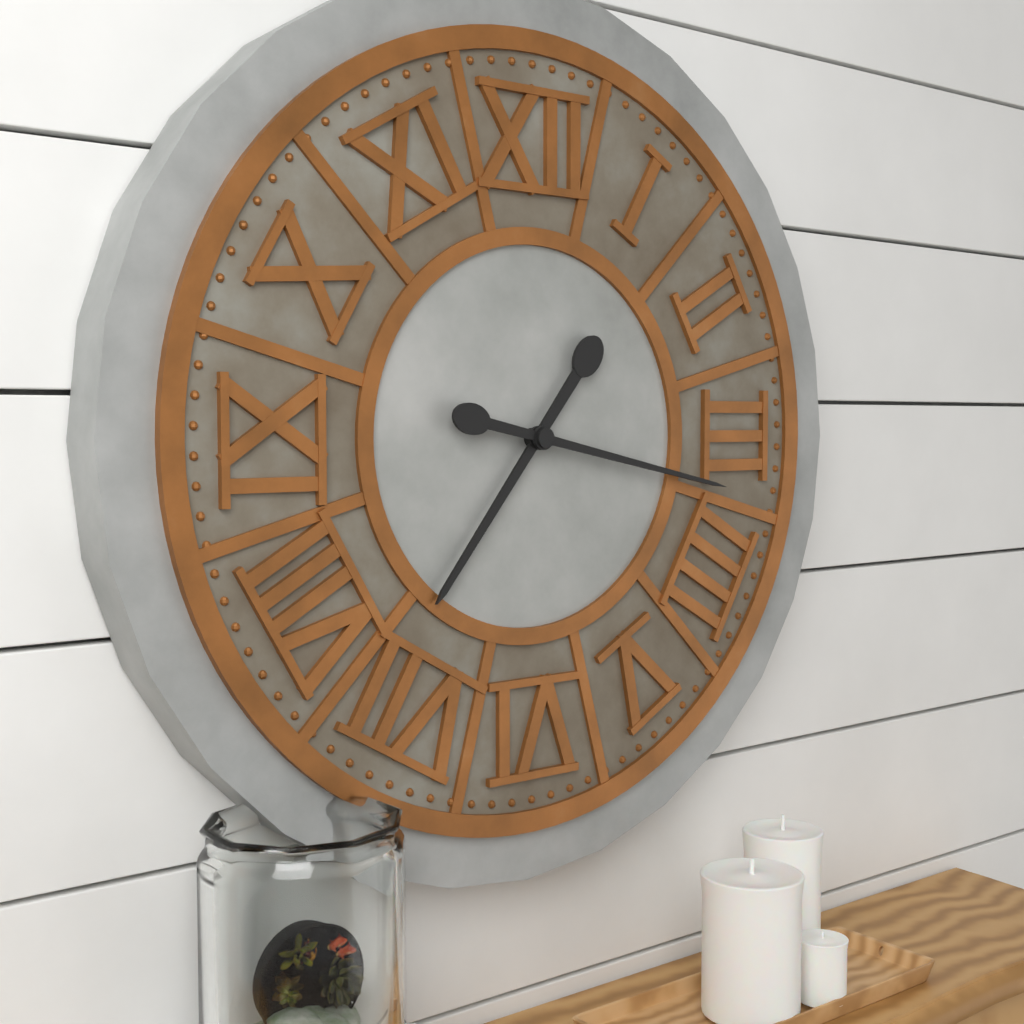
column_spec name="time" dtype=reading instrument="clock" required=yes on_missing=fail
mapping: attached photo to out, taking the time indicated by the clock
7:17
